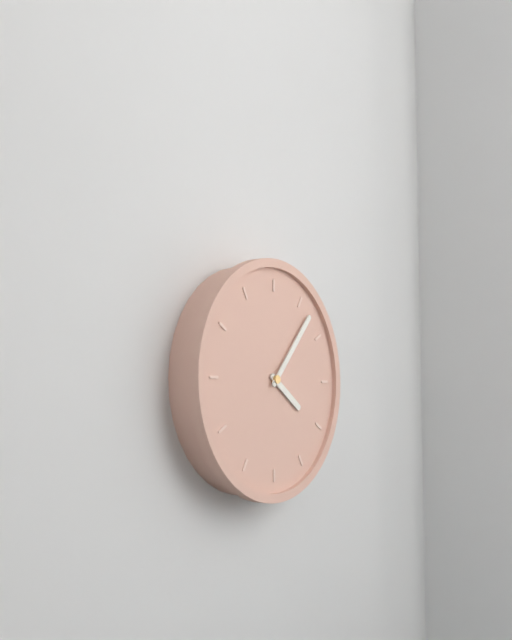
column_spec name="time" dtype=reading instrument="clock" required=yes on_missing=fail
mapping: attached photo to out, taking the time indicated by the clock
4:07
